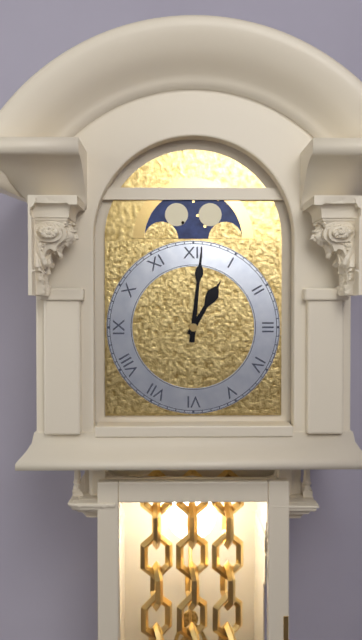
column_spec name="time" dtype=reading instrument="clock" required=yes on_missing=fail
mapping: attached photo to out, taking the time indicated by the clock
1:01
